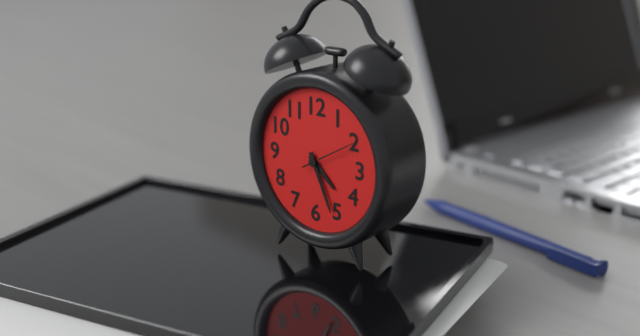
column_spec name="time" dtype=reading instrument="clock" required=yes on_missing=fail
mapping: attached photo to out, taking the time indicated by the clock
4:26:10
